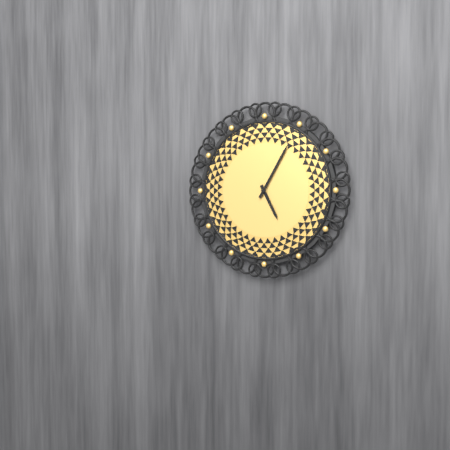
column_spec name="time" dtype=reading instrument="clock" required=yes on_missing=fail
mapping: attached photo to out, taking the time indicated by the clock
5:05
